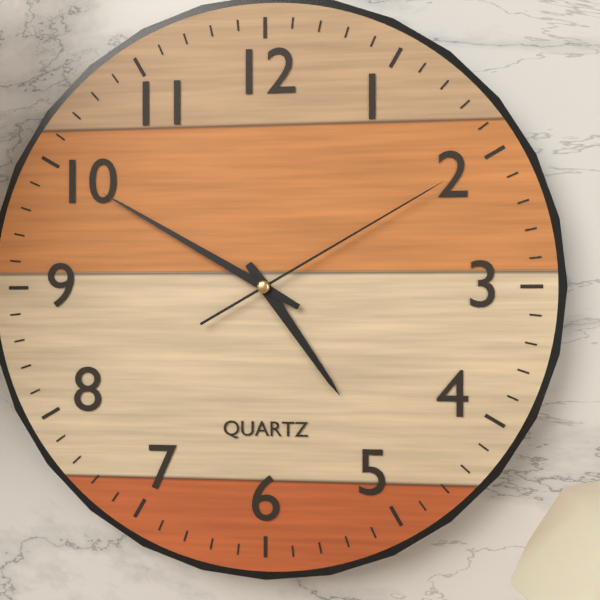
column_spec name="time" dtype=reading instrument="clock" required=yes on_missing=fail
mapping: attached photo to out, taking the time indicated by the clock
4:50:10
